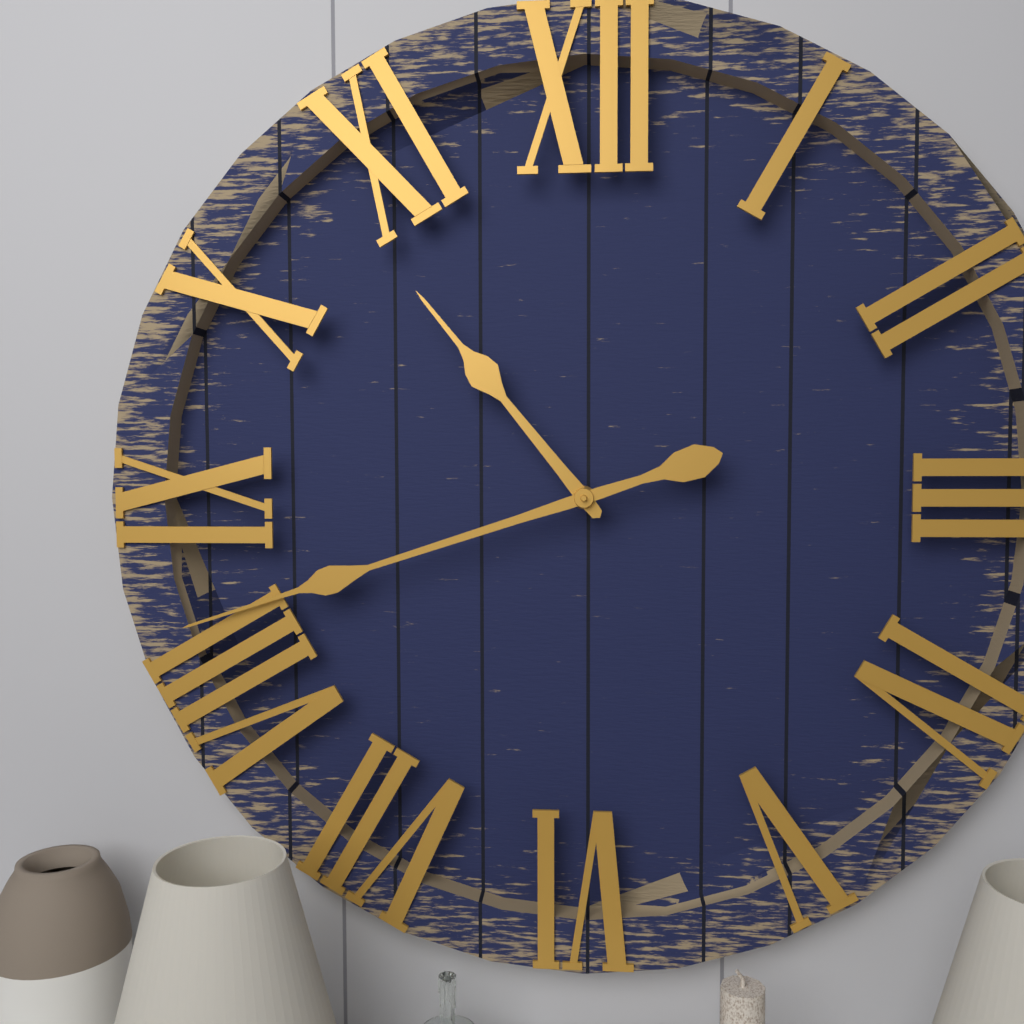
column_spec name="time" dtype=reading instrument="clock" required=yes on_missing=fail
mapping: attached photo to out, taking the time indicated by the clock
10:42
